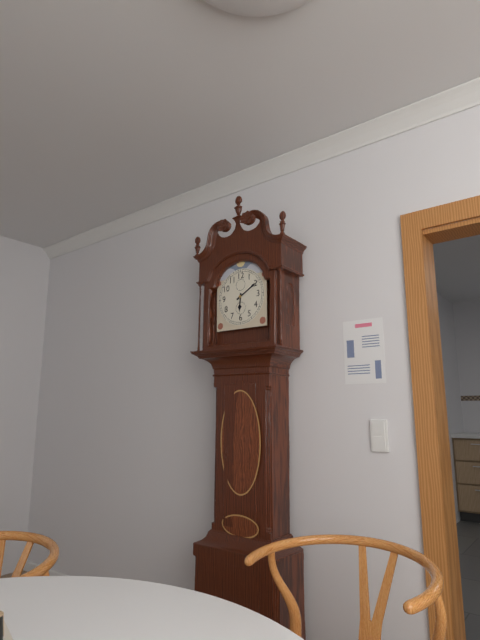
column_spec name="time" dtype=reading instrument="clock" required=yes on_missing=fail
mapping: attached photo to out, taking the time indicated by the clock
6:10
